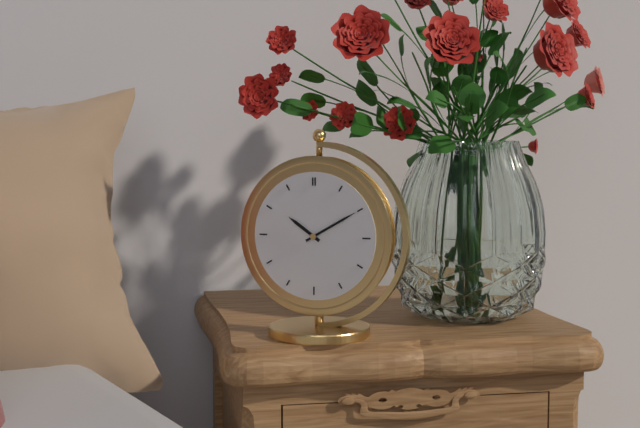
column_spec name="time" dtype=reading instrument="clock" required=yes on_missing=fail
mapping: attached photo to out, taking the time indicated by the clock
10:10
